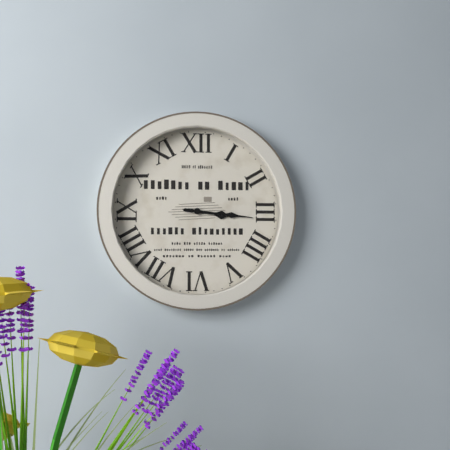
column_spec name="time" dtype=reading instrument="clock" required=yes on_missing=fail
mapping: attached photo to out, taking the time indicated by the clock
3:16
